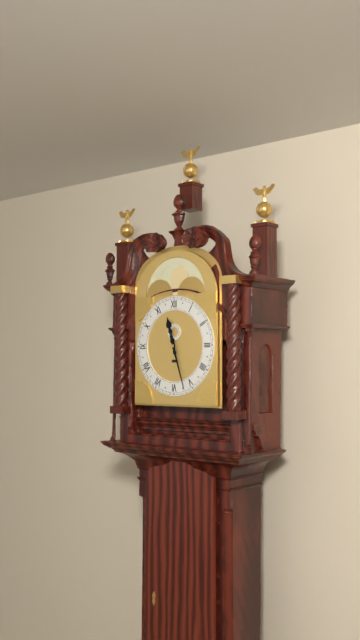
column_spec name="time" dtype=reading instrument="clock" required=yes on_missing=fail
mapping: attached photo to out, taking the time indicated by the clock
11:27
